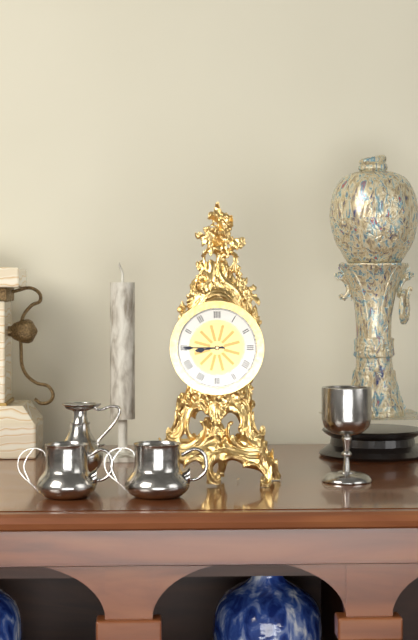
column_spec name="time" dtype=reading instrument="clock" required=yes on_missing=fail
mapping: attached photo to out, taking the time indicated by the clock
8:45
